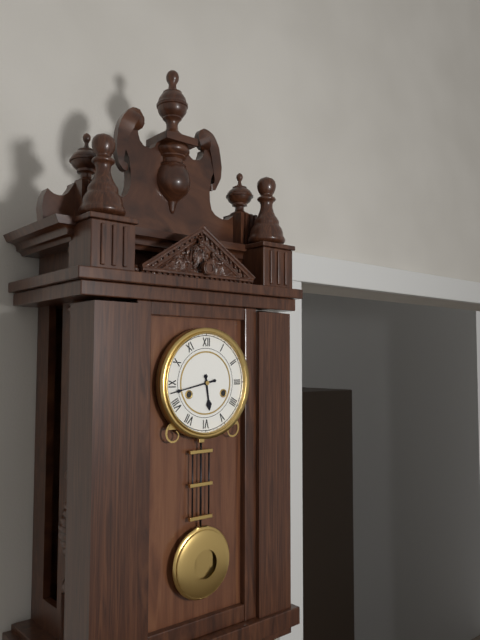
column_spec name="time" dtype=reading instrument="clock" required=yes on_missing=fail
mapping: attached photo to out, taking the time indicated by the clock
5:43
